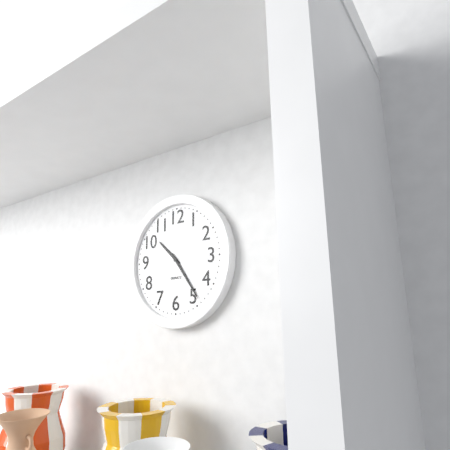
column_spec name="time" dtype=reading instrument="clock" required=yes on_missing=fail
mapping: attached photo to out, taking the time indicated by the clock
10:24
